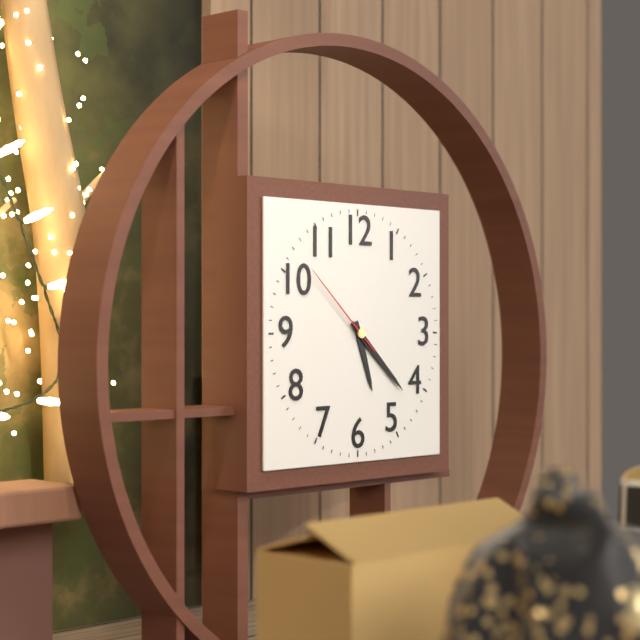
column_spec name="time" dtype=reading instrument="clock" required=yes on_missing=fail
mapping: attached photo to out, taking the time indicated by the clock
5:22:52
